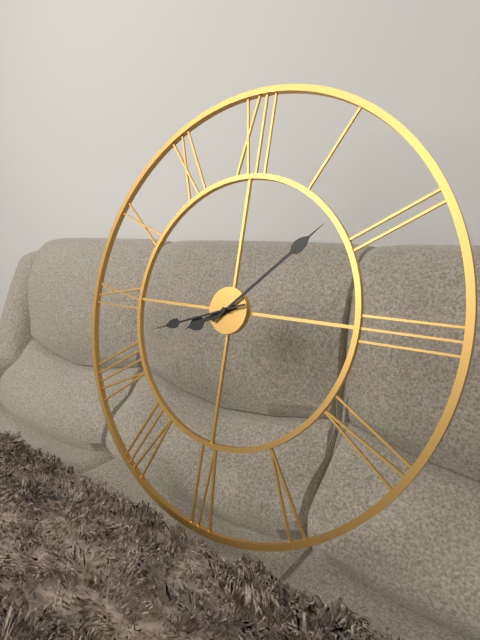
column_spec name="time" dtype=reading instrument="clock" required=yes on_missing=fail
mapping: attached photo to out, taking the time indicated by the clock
8:08:42
